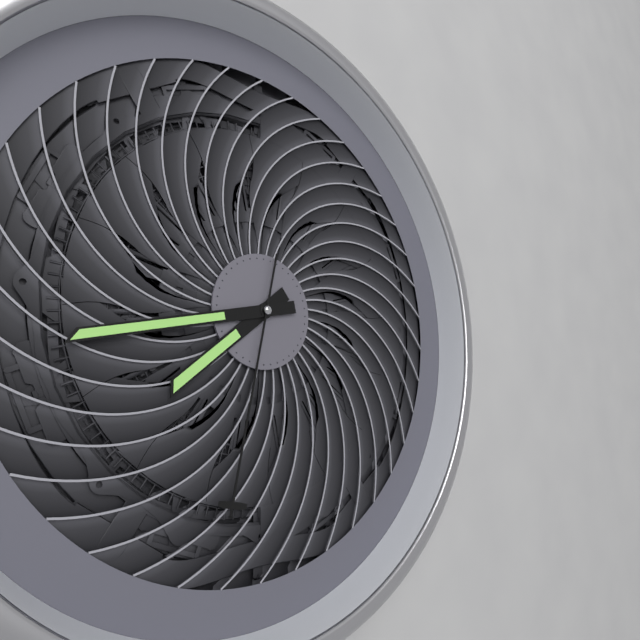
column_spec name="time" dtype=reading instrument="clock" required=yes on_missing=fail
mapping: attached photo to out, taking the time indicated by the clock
7:43:32
